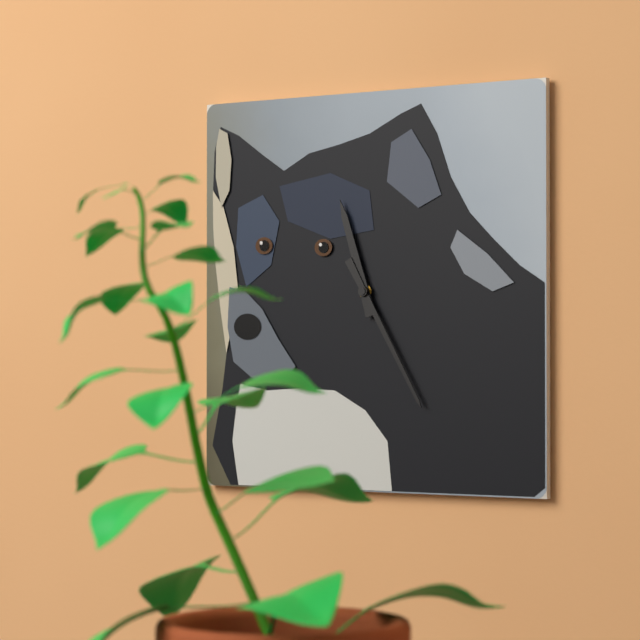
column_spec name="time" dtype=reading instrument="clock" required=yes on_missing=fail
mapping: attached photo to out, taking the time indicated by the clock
11:25
